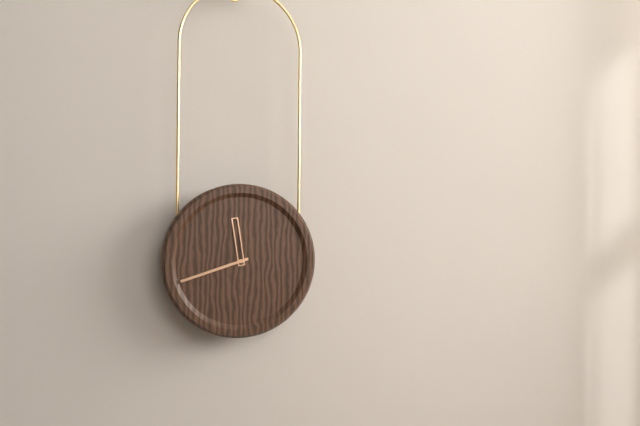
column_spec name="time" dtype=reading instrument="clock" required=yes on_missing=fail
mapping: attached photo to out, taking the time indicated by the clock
11:42
